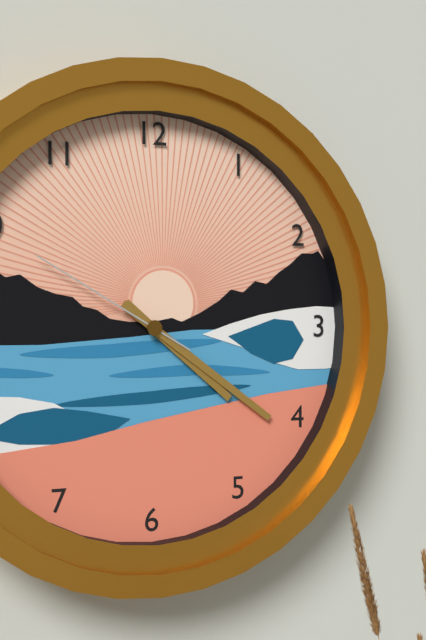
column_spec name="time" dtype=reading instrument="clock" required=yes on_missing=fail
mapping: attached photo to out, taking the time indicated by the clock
4:21:50
